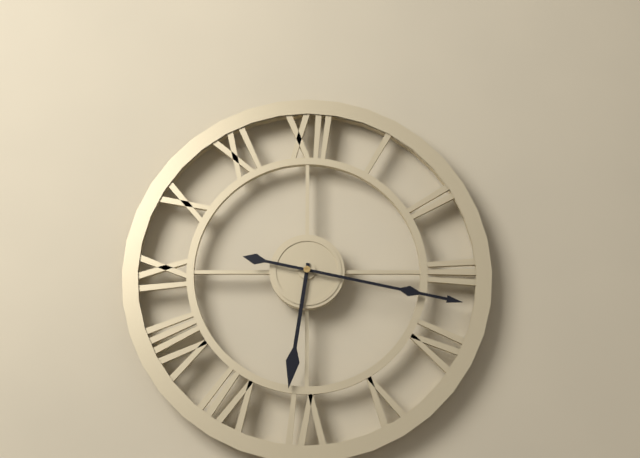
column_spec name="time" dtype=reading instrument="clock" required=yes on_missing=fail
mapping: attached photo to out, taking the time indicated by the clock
6:17
